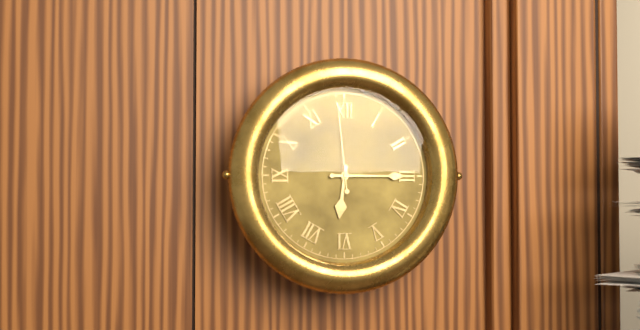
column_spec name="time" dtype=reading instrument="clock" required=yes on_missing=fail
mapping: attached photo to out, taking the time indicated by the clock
6:15:59
